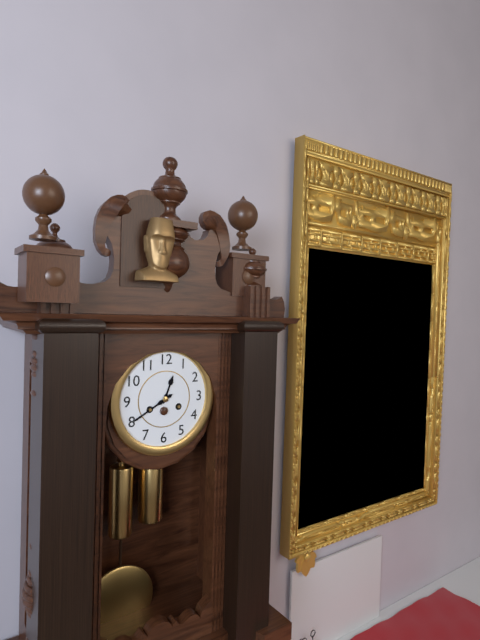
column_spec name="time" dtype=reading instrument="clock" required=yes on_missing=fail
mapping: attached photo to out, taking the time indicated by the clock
12:40
